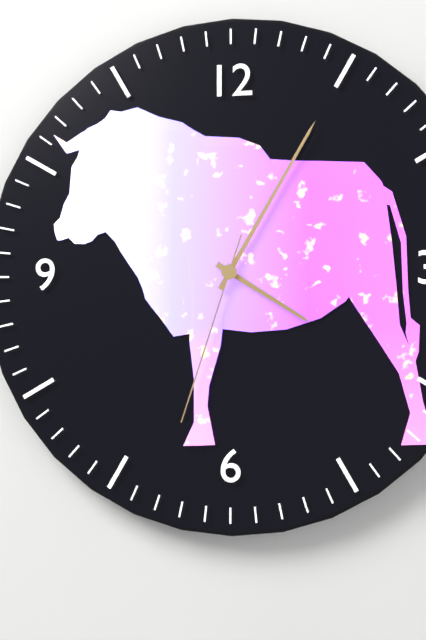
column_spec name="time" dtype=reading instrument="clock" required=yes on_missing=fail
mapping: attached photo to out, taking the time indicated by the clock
4:05:33
